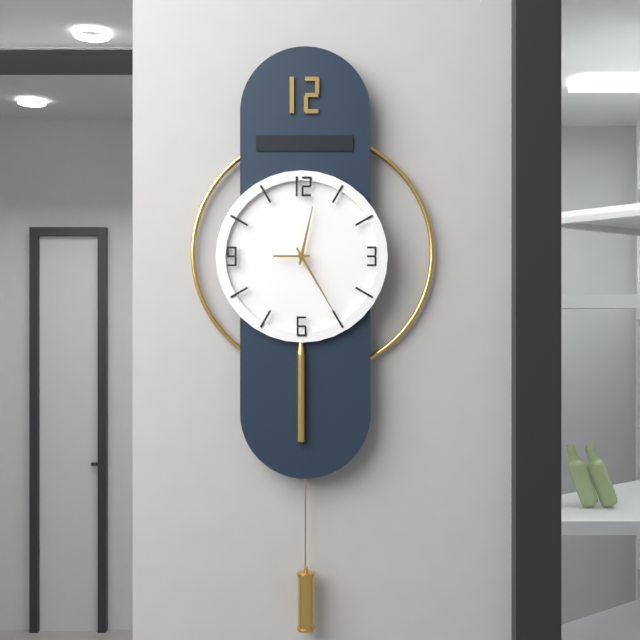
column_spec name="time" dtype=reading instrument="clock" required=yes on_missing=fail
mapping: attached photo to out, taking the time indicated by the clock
12:25
